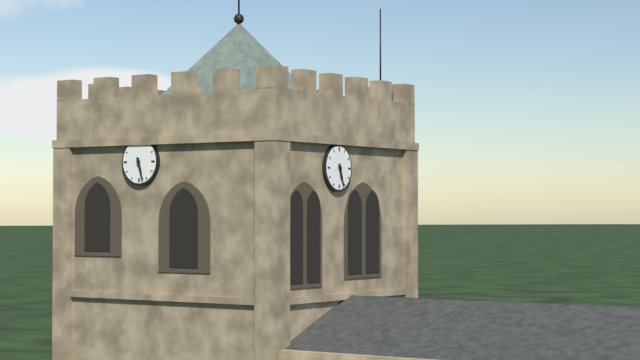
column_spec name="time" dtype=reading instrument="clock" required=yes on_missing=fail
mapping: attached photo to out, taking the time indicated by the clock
5:27
